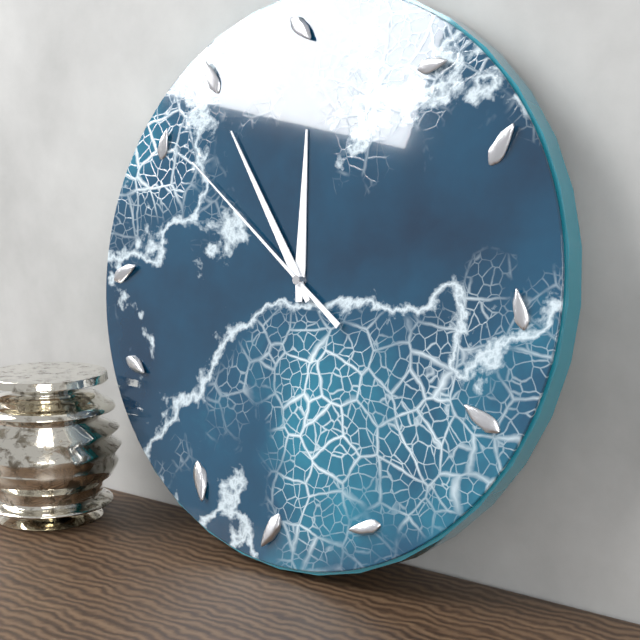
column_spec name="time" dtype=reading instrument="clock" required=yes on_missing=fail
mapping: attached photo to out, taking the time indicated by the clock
11:54:51
